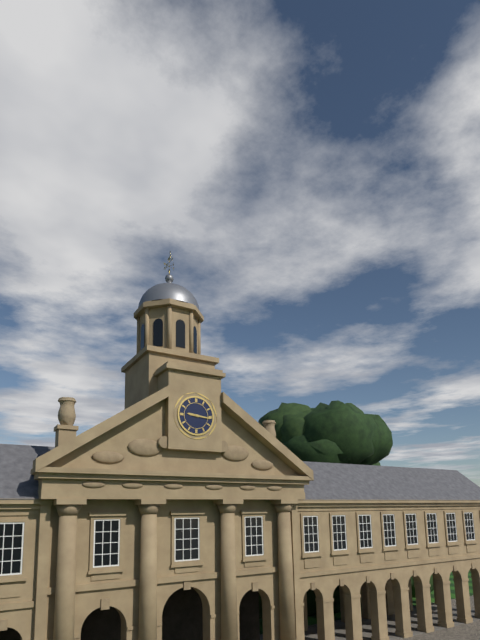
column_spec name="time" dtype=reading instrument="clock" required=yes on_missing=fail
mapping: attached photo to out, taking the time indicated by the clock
9:16
